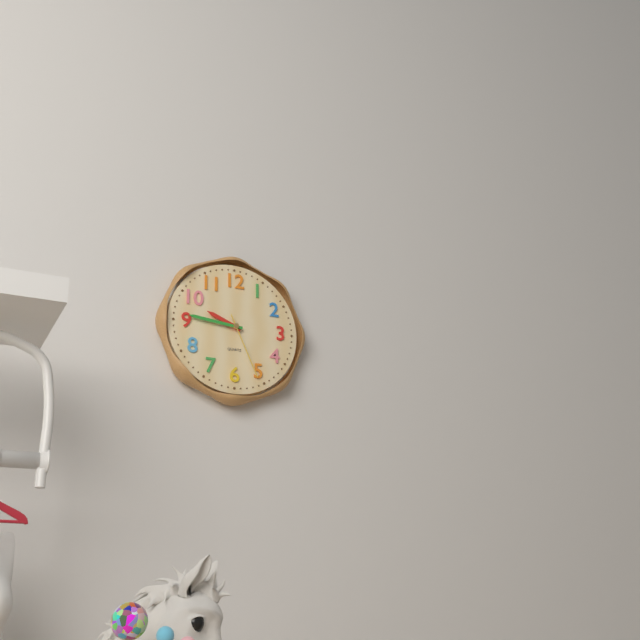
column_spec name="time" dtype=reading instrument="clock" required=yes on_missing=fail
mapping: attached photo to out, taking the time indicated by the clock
9:46:26
